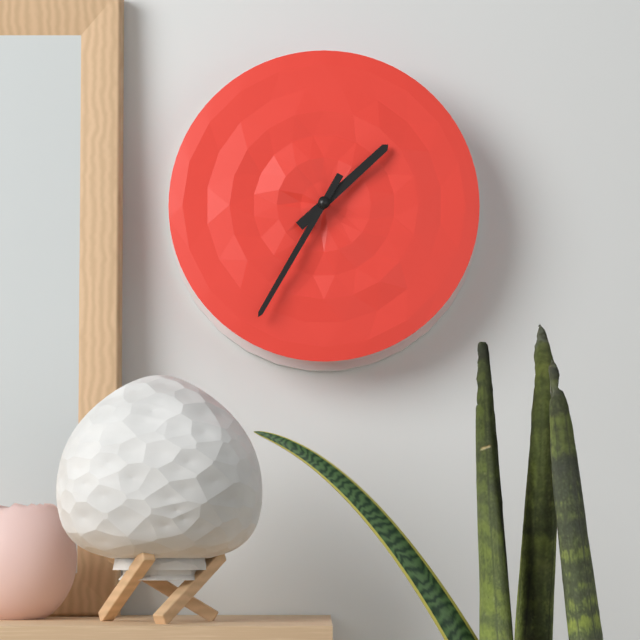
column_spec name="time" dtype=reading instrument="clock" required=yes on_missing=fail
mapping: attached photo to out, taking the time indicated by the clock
1:35
